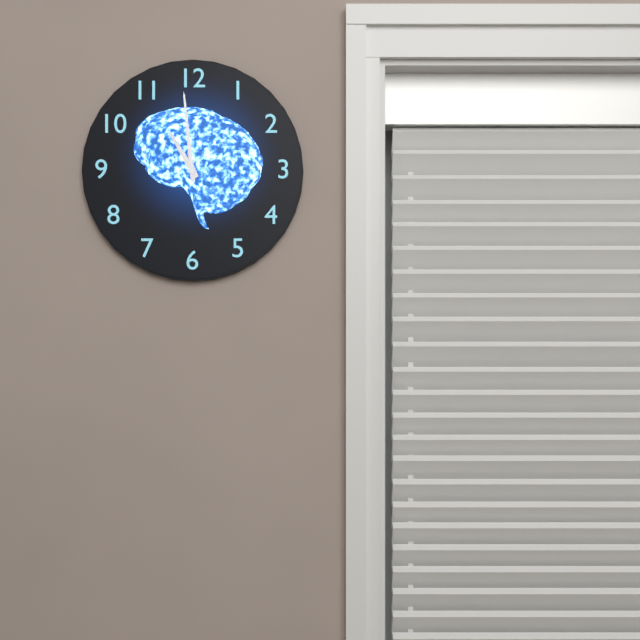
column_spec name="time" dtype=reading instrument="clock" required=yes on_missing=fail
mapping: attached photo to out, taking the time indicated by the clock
10:59
